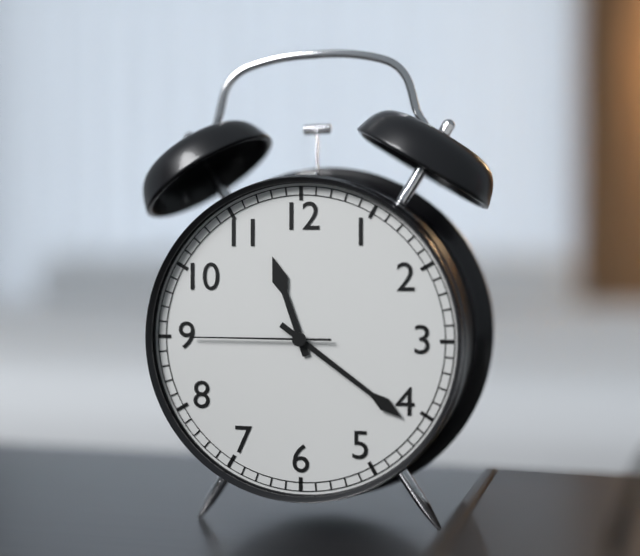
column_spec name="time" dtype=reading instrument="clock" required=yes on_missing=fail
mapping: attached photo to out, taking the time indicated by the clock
11:21:45
